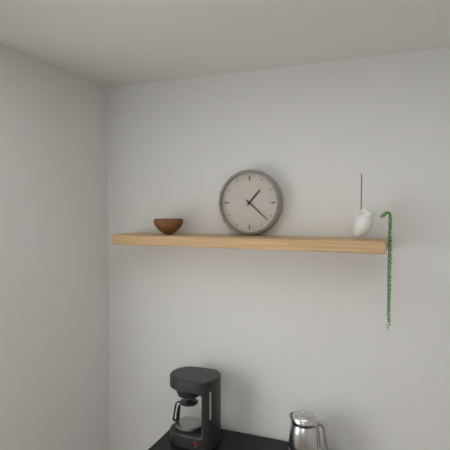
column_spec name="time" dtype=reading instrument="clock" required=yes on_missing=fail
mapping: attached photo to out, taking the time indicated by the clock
1:22
